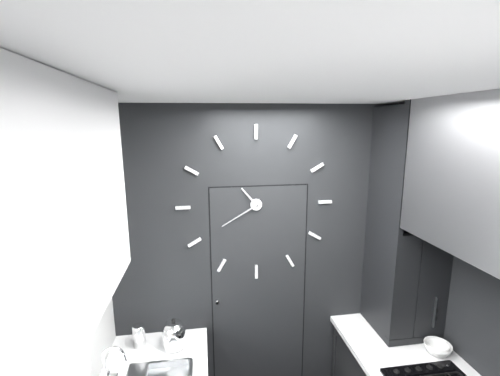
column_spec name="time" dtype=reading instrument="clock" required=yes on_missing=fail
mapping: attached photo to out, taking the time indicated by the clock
10:40
